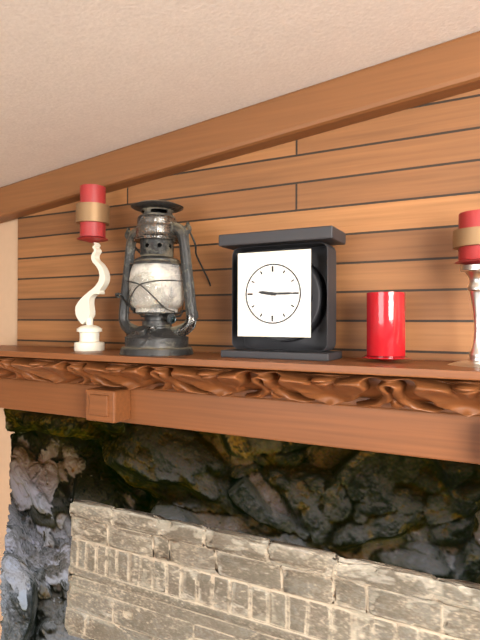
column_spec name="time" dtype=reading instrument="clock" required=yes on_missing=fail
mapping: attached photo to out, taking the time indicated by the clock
9:15
